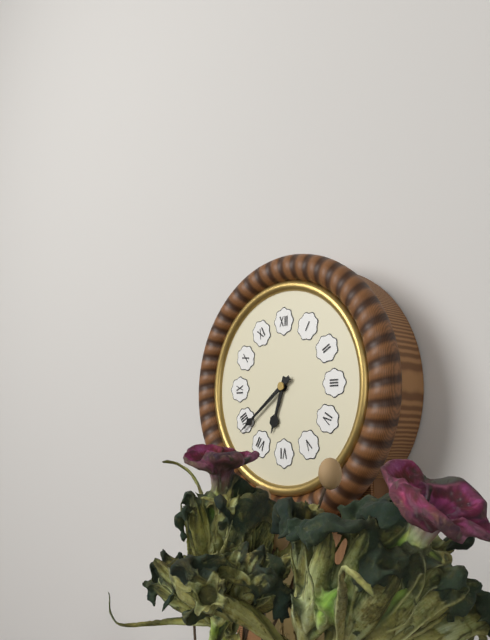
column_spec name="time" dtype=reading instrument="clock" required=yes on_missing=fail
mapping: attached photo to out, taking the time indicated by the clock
6:39
